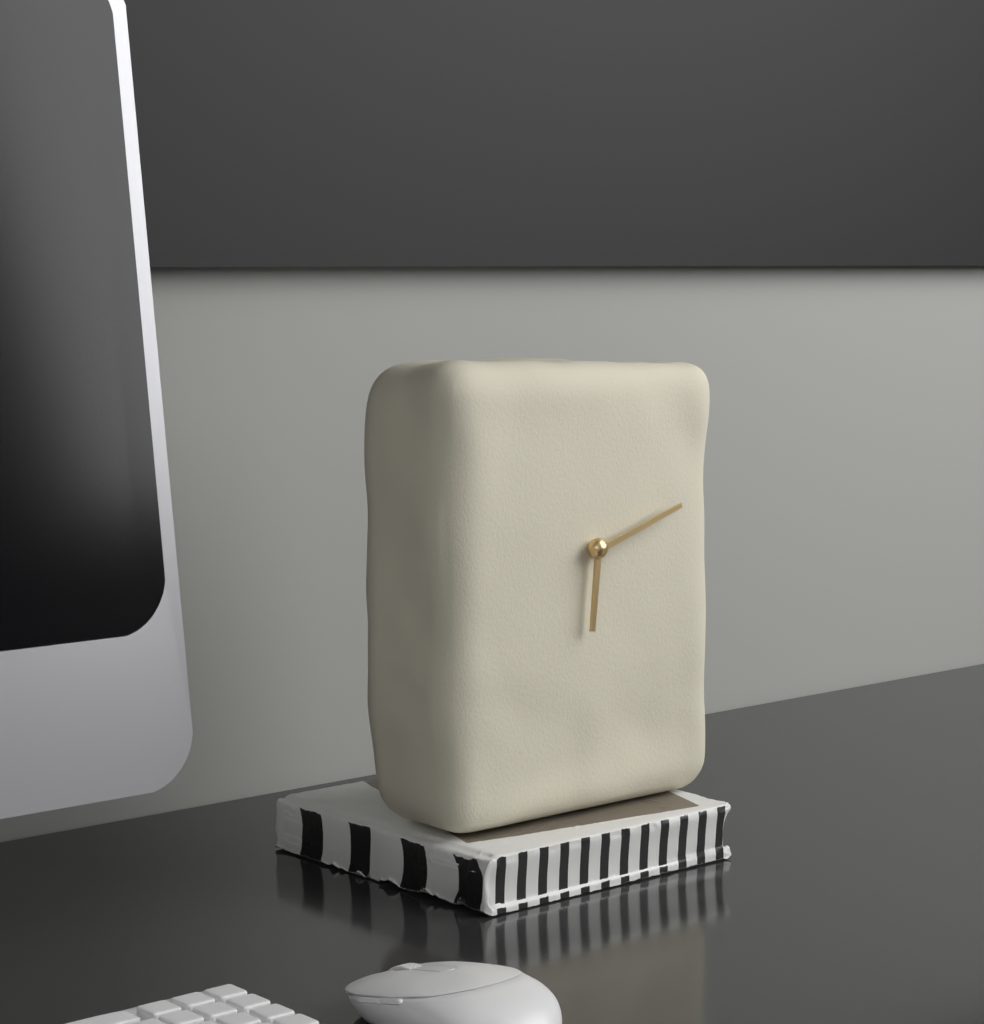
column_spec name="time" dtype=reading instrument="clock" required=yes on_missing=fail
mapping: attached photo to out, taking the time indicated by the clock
6:12
